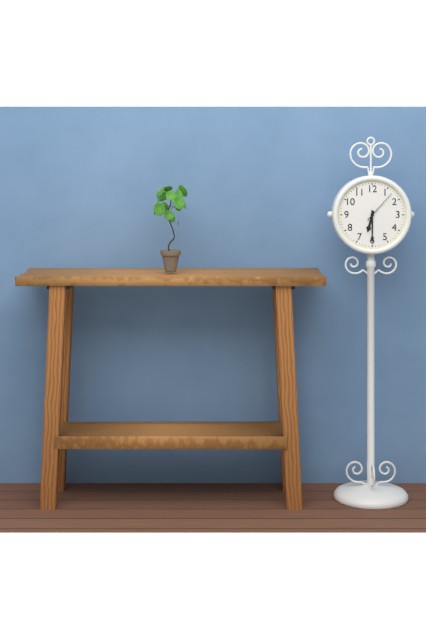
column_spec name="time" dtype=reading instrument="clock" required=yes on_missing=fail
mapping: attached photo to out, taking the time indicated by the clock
6:30
